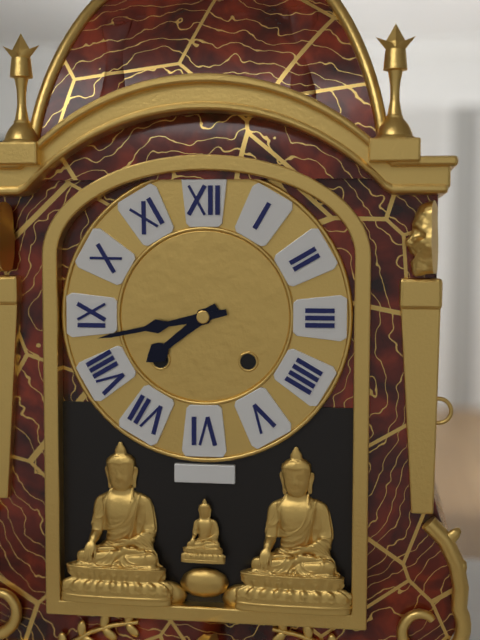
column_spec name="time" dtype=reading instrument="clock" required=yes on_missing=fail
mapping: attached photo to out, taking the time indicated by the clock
7:43
